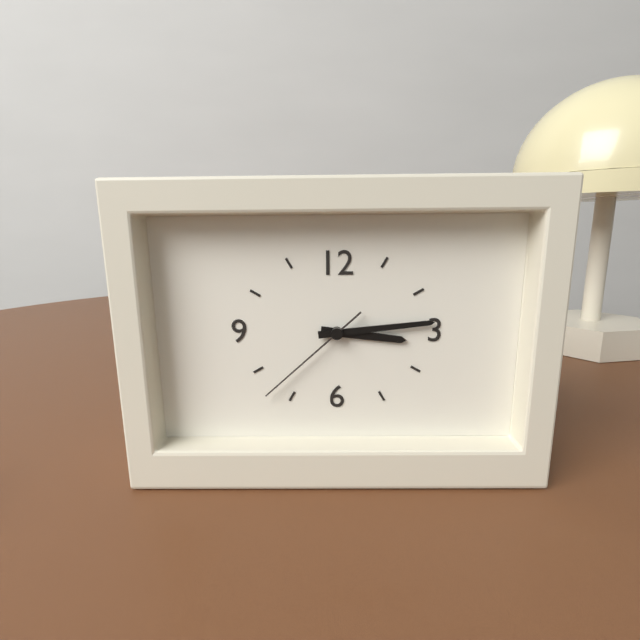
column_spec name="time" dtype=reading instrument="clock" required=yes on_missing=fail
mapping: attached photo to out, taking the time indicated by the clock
3:14:38
